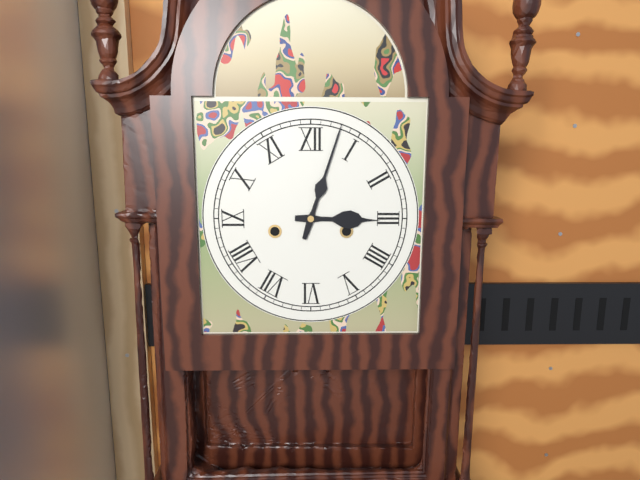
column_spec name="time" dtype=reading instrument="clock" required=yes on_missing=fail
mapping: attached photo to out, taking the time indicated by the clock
3:03
